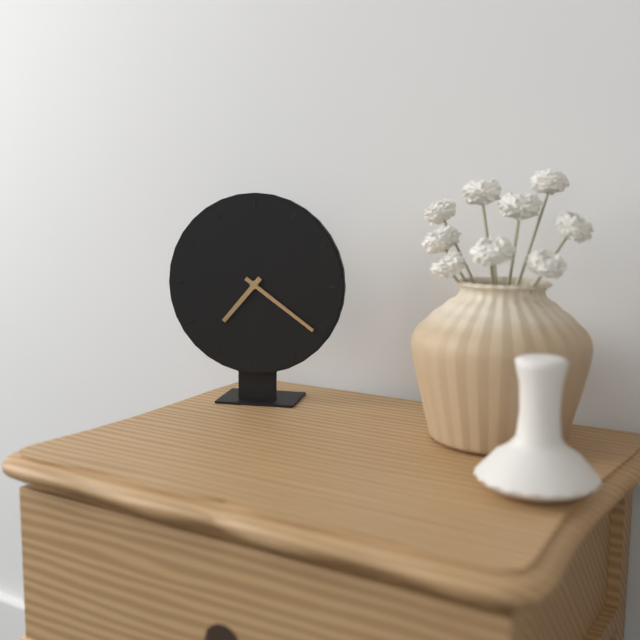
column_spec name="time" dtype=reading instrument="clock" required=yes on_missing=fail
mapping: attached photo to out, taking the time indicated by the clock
7:21
